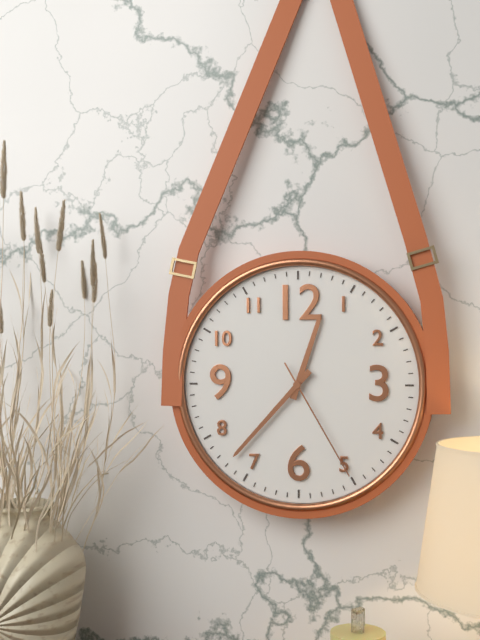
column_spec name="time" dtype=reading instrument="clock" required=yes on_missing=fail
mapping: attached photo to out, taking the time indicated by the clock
12:37:25
